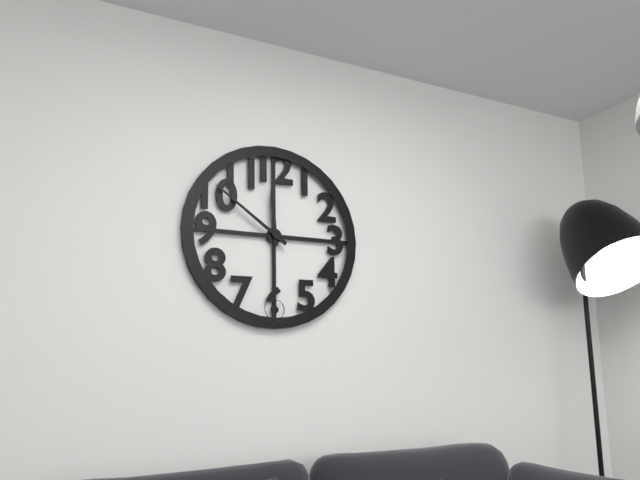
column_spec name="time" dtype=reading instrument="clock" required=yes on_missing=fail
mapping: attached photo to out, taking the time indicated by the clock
11:51
